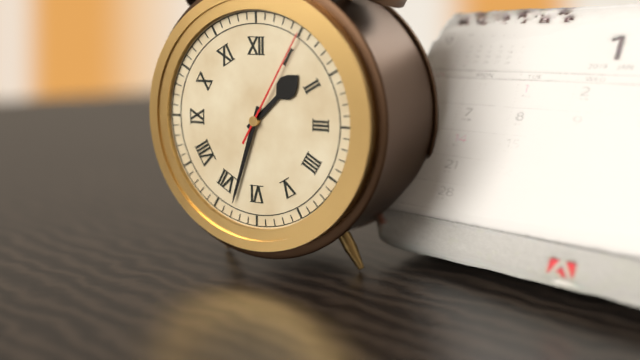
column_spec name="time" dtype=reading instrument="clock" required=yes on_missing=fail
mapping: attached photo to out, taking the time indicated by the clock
1:33:05
